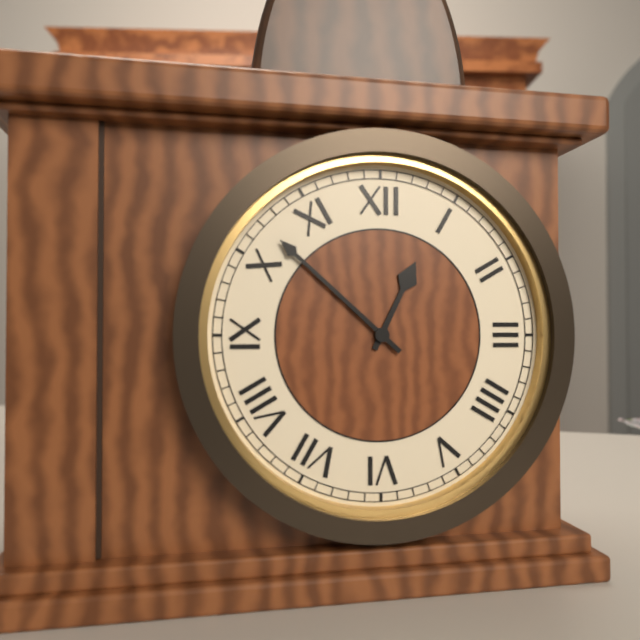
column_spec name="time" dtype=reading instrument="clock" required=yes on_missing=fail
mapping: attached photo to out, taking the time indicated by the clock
12:52
